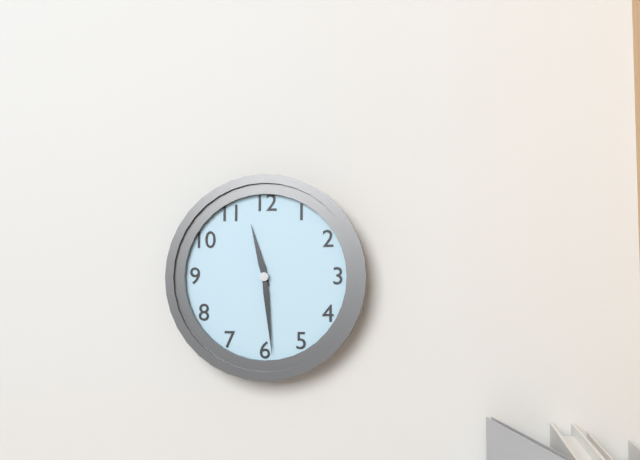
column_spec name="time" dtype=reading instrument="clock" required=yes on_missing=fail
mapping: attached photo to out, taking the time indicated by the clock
11:29
